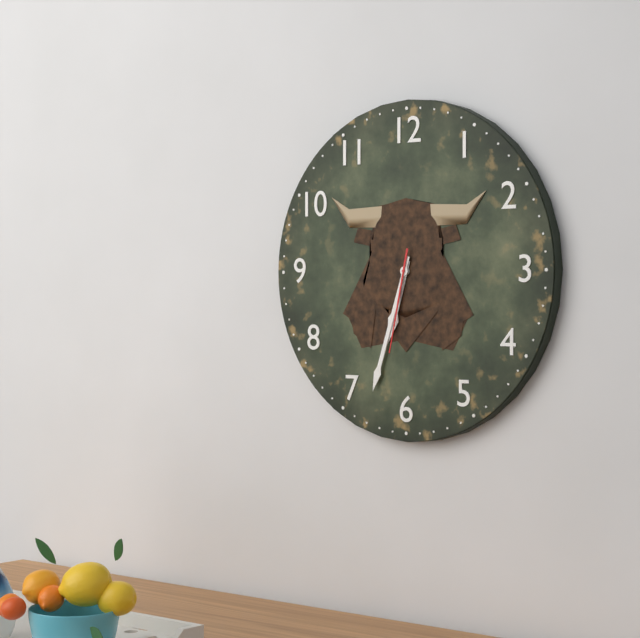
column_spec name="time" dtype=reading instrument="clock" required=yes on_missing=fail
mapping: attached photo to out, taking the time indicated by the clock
6:33:32
